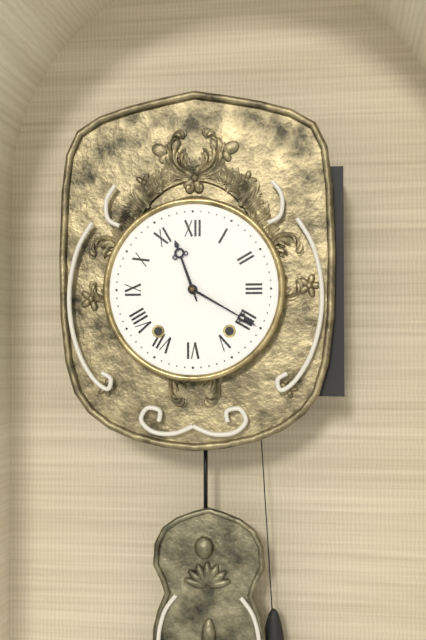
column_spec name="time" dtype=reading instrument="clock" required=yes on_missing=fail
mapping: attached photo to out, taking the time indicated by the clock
11:20
